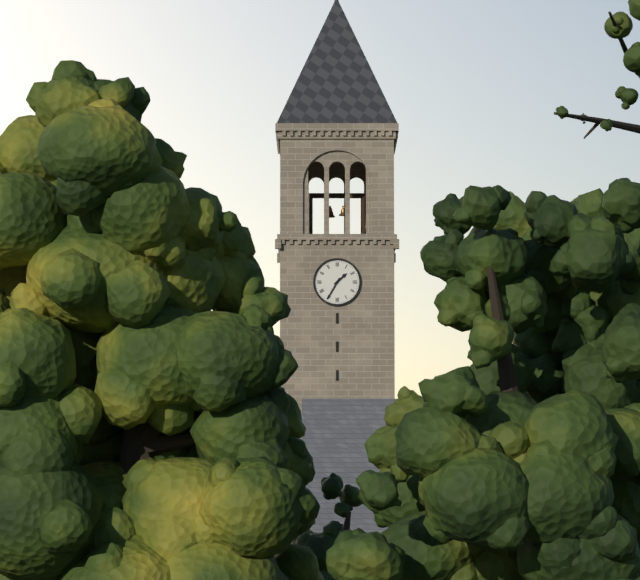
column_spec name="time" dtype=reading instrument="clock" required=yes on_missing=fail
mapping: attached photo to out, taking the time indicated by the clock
1:35
